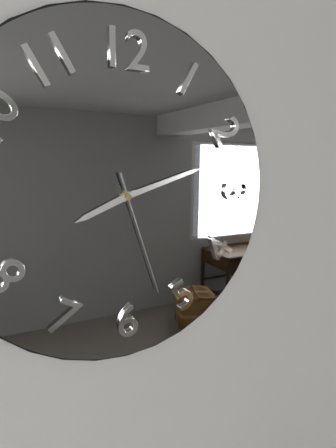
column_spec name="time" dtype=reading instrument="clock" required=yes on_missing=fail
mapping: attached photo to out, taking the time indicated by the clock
8:12:27
